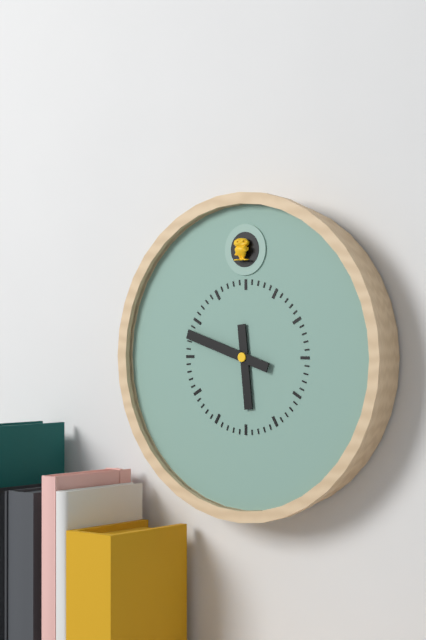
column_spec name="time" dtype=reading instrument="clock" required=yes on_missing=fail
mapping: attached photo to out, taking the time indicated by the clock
5:48
